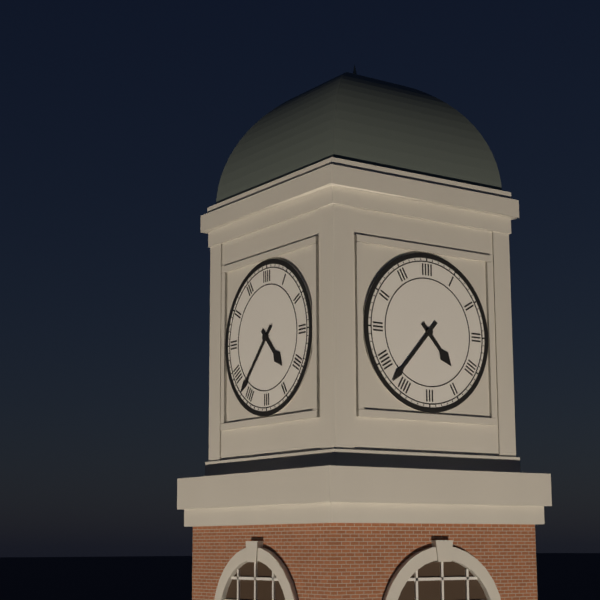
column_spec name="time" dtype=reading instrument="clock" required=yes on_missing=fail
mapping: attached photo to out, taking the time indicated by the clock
4:37
